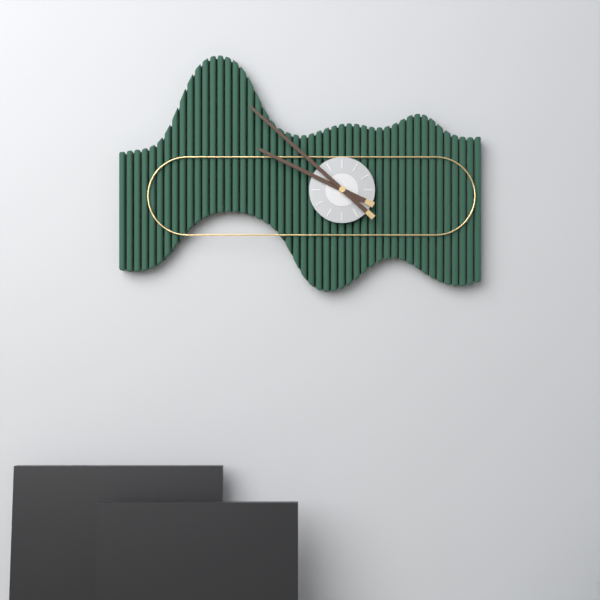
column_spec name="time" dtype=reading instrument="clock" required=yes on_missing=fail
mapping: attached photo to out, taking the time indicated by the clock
9:52
